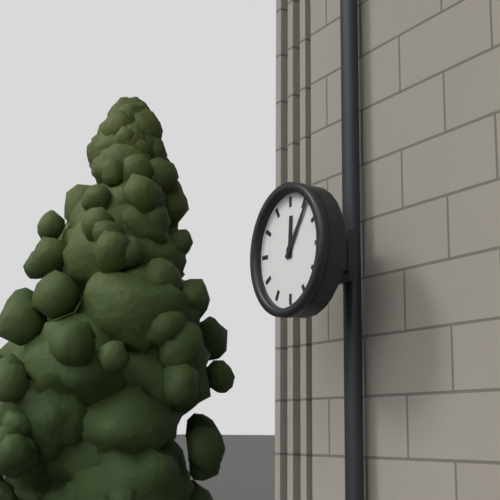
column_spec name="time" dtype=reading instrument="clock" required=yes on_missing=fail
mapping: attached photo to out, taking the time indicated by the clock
12:06
